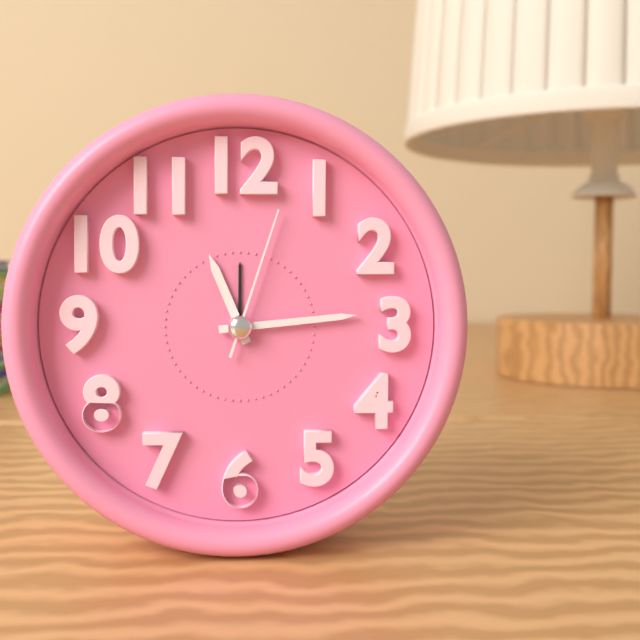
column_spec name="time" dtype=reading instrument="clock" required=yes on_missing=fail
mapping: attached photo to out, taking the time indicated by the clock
11:14:03
